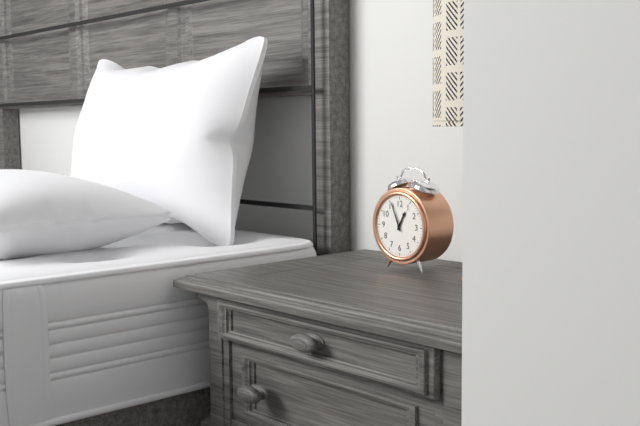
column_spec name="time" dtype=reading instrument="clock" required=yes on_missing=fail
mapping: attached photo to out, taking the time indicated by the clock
12:56
